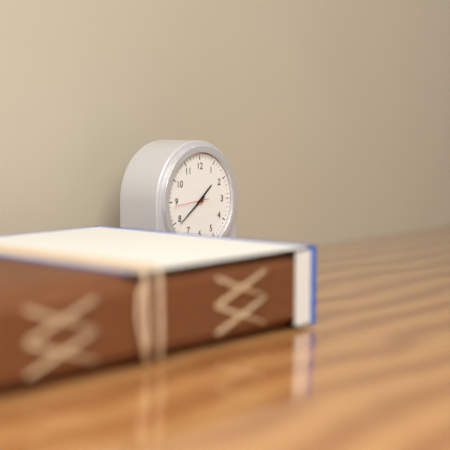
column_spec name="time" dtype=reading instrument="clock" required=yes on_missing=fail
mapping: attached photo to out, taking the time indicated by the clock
1:39
